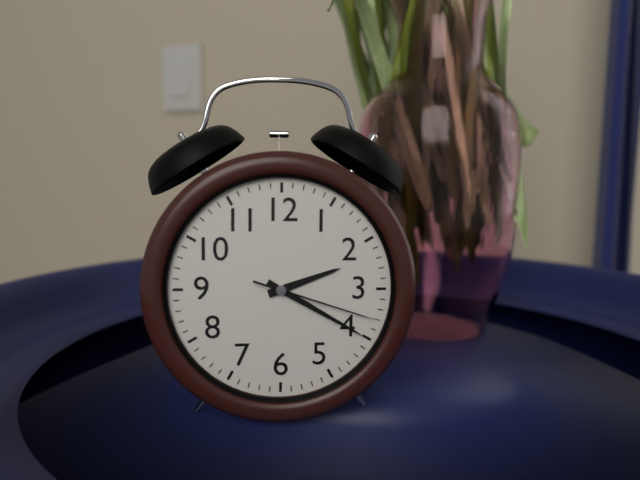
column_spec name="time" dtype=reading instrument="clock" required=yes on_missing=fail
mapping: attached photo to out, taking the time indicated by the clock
2:20:18
